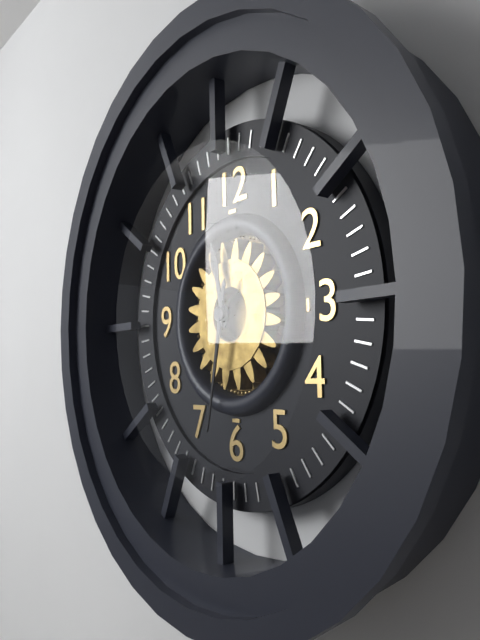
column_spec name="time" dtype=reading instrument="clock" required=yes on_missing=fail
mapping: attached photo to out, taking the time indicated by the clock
11:32
